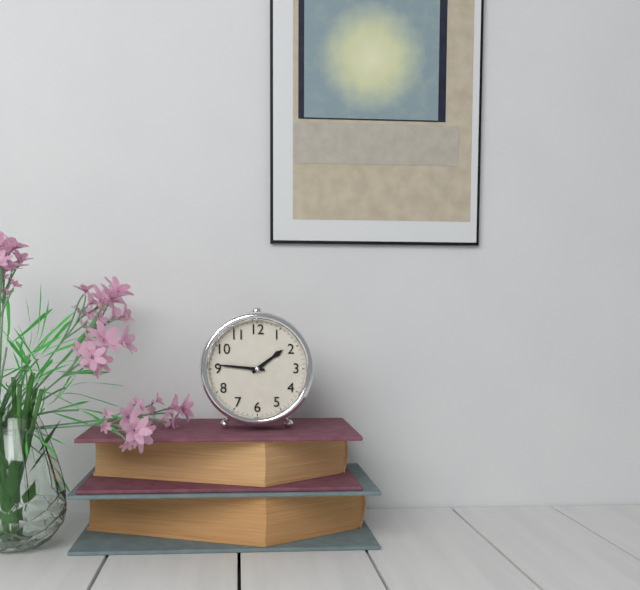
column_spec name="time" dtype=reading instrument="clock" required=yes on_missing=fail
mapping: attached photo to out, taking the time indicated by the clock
1:46
